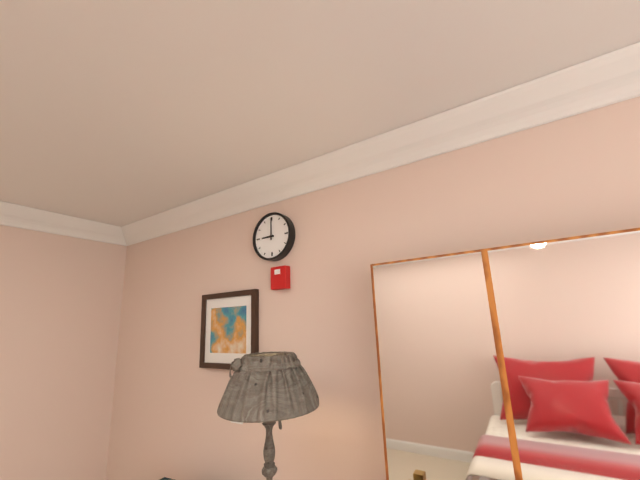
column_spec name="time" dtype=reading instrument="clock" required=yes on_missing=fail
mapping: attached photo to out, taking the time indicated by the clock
9:00
